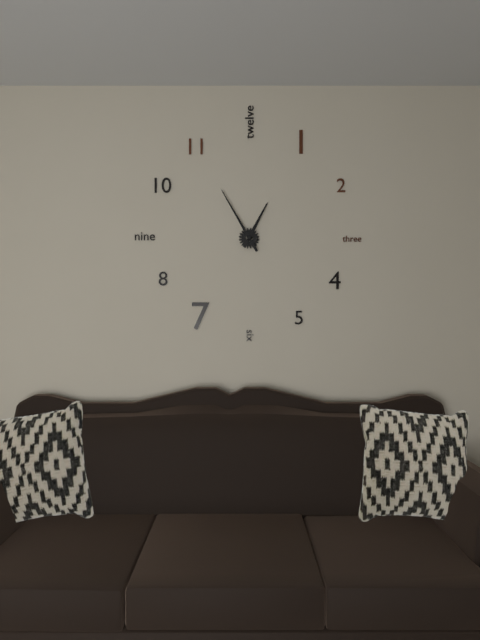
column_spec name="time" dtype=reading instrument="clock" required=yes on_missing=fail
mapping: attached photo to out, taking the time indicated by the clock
12:55
